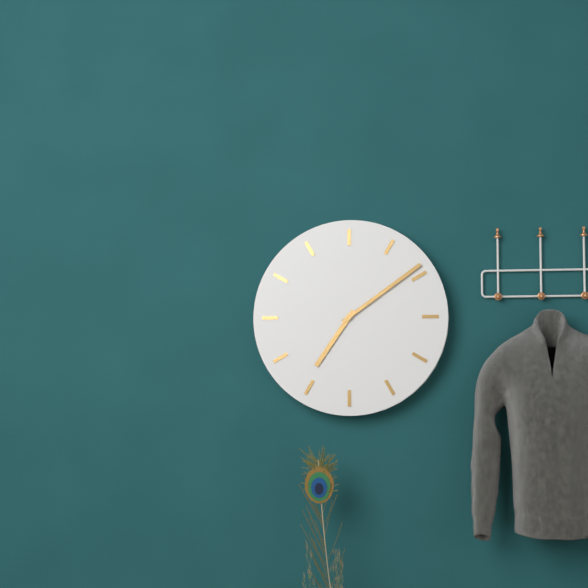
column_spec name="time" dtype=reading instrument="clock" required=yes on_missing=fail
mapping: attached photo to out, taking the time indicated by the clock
7:09
